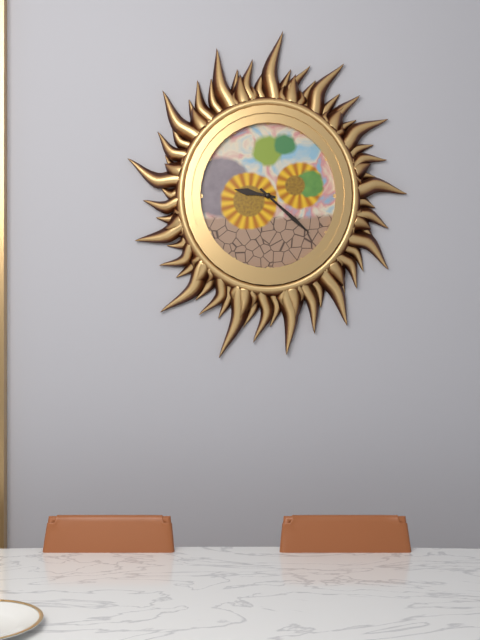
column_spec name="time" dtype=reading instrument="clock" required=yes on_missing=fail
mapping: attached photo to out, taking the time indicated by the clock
9:22
